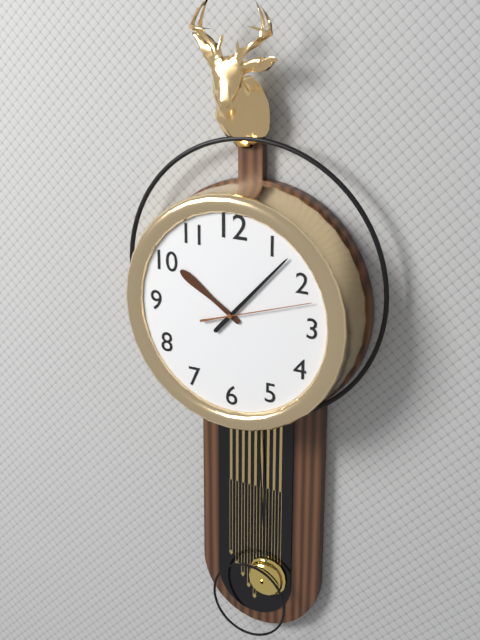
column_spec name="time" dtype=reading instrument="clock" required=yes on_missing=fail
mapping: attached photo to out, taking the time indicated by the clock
10:07:12
